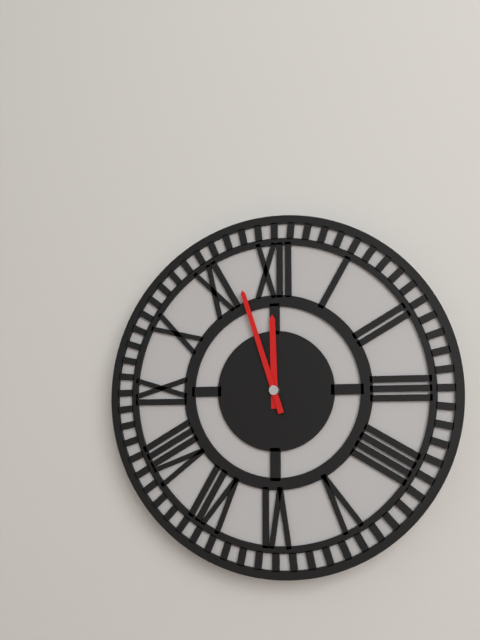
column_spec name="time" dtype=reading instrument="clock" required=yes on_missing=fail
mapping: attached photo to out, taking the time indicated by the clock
11:57
